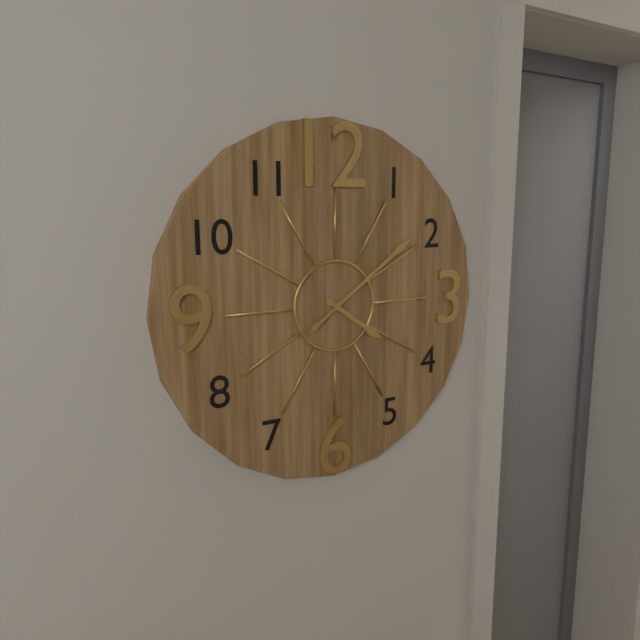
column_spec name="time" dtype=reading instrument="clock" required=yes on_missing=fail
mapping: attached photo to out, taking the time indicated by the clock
4:09
